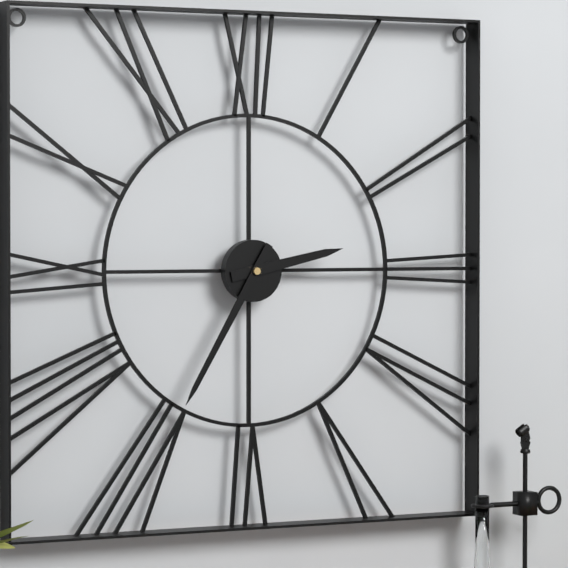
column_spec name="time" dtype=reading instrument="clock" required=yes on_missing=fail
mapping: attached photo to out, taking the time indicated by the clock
2:35
